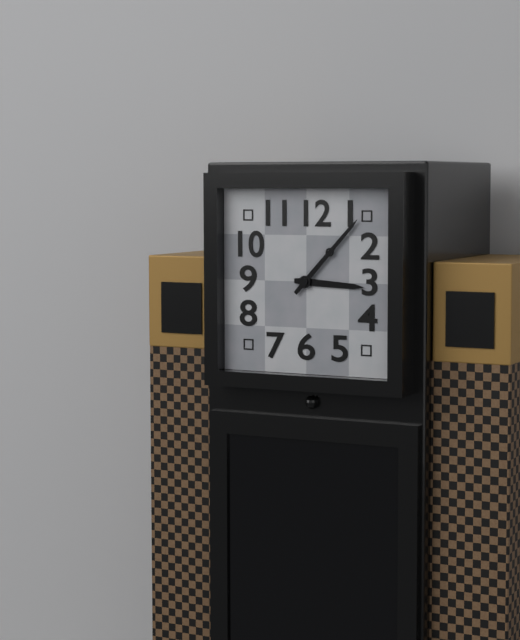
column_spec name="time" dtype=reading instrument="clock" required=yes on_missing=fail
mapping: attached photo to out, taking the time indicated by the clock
3:07
